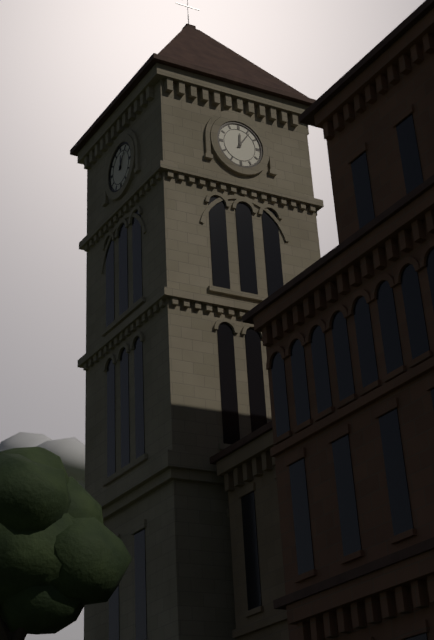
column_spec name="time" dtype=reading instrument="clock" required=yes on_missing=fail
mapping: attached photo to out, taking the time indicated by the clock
12:06
